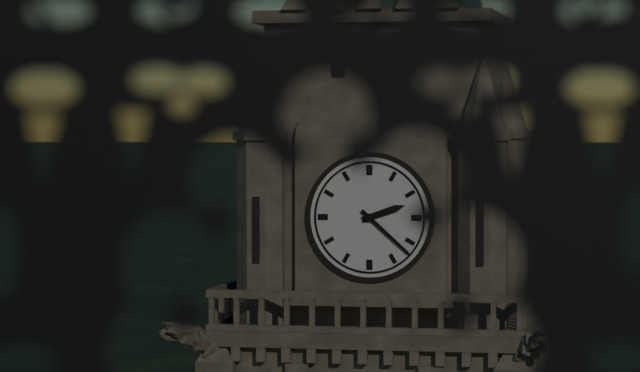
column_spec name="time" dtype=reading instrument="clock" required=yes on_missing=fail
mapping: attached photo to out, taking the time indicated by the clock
2:22
